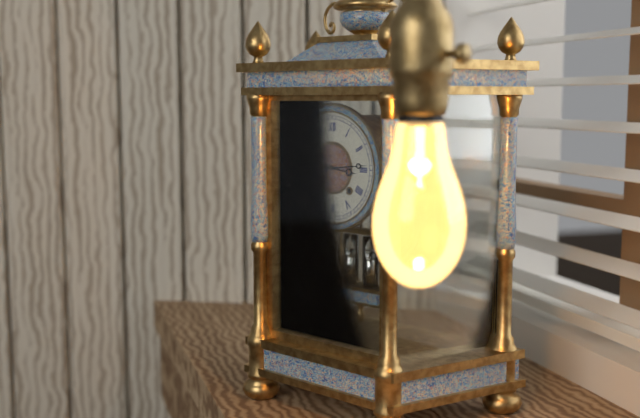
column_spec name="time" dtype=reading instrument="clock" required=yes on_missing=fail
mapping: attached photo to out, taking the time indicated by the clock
3:14
